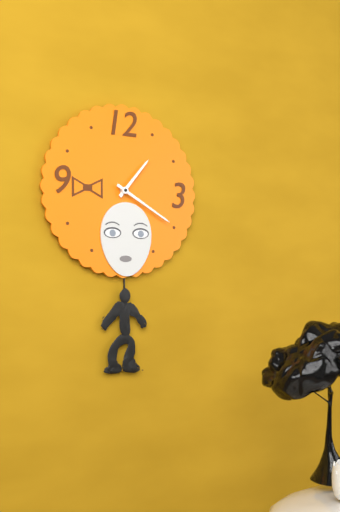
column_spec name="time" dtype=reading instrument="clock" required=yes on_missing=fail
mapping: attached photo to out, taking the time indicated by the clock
1:20
